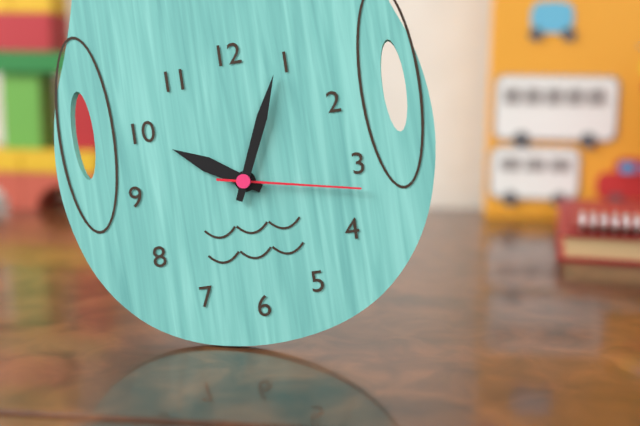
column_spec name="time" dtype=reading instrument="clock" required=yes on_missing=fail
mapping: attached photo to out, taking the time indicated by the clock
10:04:17
